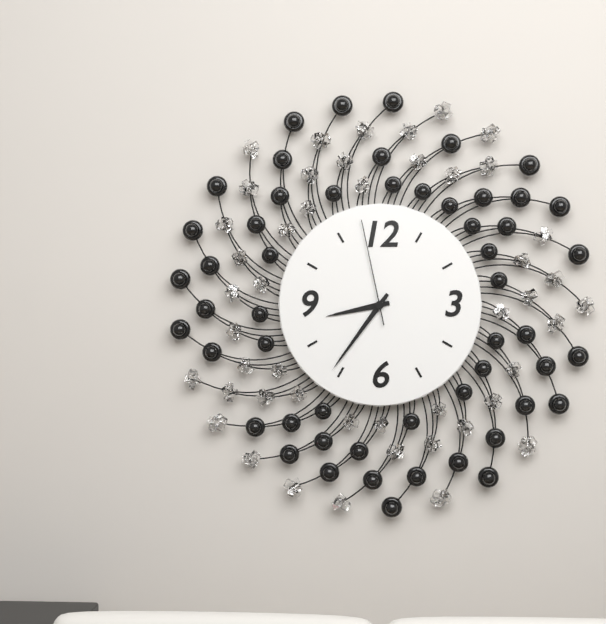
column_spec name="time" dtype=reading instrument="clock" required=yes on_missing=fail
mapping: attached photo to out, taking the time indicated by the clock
8:36:58
